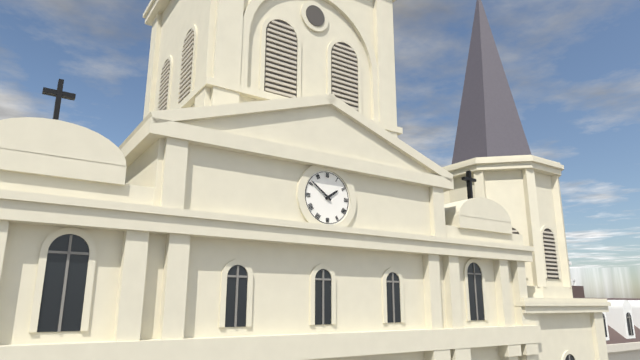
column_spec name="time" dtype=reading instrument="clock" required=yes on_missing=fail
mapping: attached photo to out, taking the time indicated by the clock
1:51
